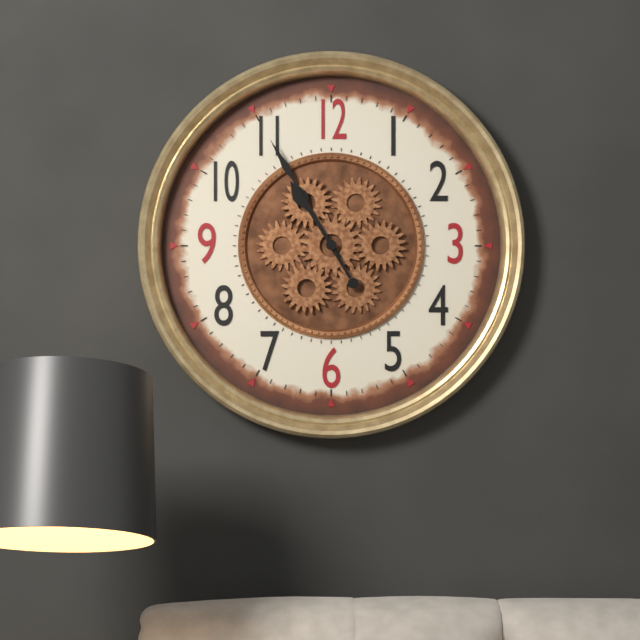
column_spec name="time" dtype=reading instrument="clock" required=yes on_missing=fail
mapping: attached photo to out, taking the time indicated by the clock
10:55
